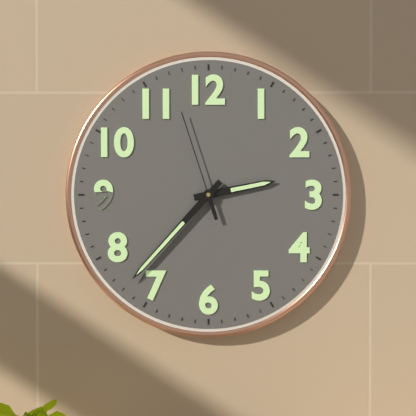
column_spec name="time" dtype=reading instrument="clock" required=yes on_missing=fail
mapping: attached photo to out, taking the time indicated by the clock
2:37:57
